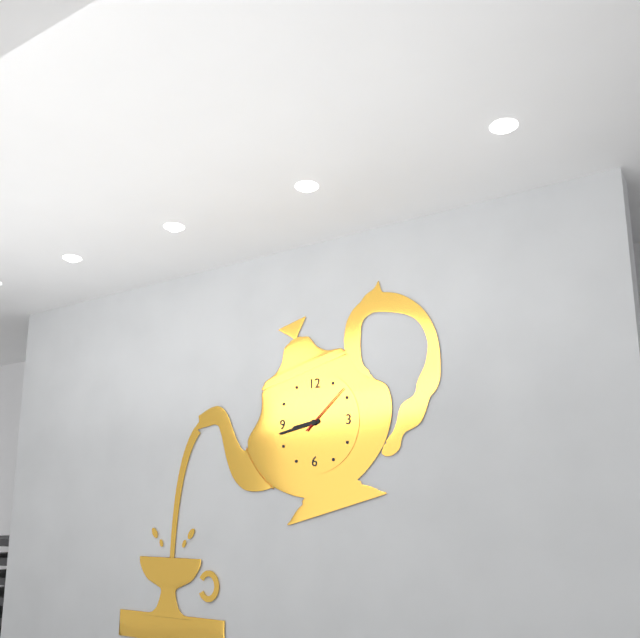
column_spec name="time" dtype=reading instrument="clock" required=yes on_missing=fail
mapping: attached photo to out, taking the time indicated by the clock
8:43:08
